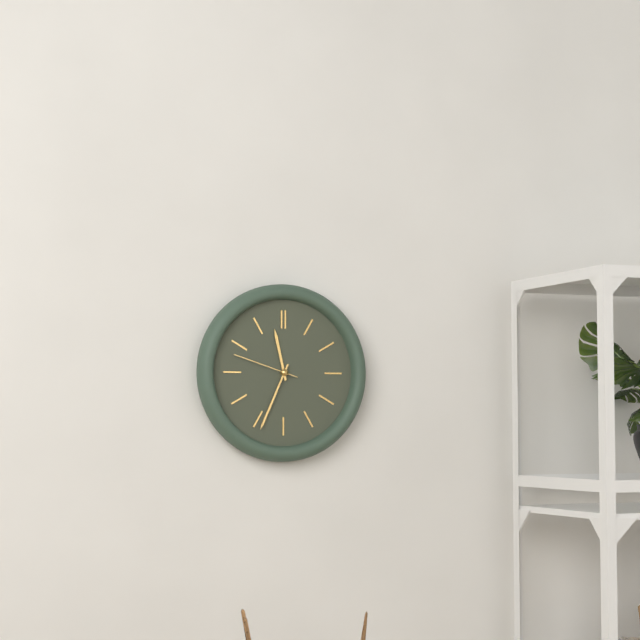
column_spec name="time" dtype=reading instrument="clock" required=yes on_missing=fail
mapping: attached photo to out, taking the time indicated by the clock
11:34:48
